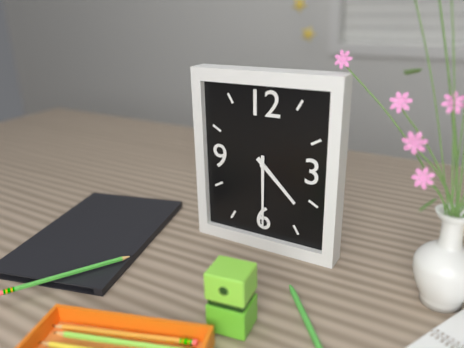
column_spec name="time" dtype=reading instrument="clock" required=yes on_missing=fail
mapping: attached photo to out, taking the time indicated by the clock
4:30
